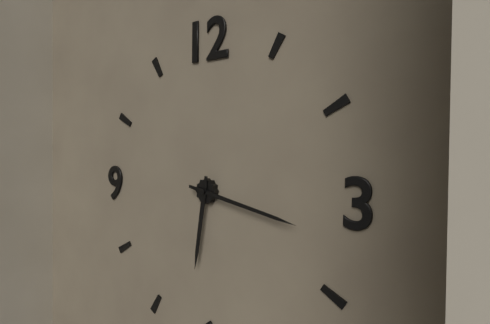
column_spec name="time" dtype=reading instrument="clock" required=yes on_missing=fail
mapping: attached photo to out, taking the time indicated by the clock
6:17
